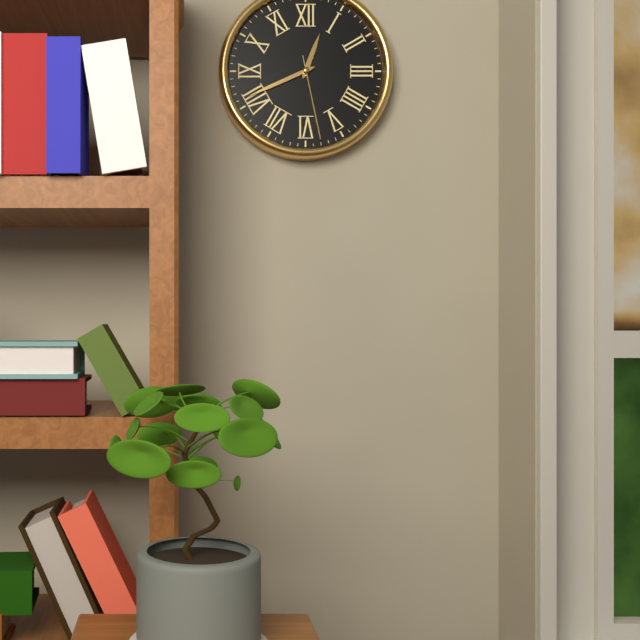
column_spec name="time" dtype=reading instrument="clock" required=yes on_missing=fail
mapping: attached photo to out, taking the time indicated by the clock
12:41:28
